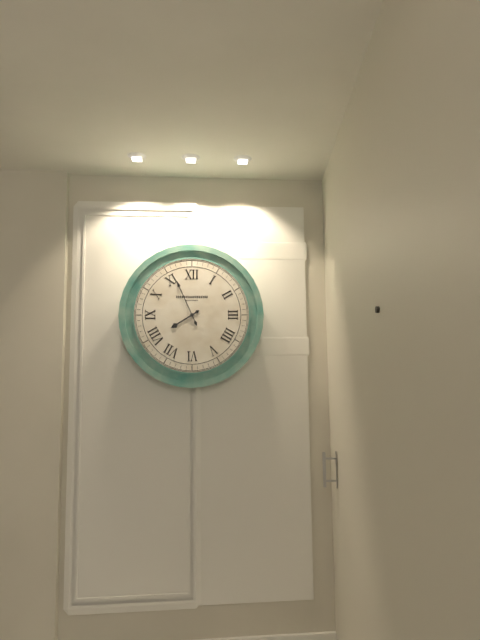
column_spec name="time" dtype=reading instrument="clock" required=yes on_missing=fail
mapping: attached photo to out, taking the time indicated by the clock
7:56
